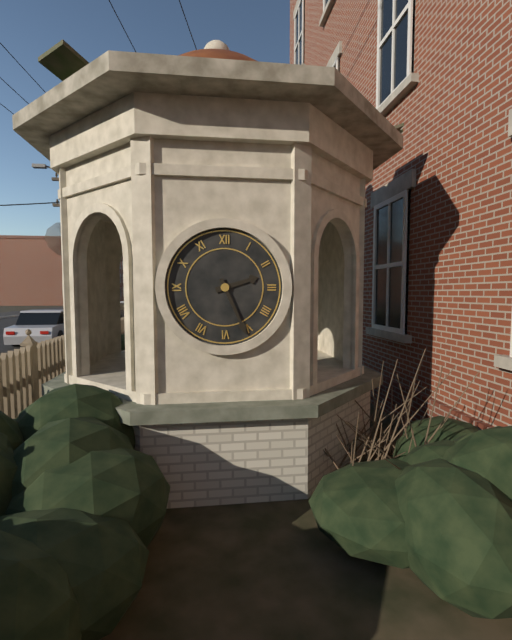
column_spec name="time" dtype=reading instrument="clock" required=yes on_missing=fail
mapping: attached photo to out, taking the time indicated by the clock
2:26
